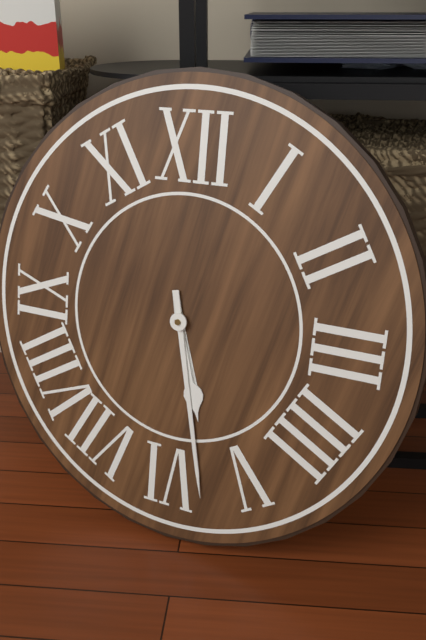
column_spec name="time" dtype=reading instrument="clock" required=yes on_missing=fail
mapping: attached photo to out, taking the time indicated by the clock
5:28
